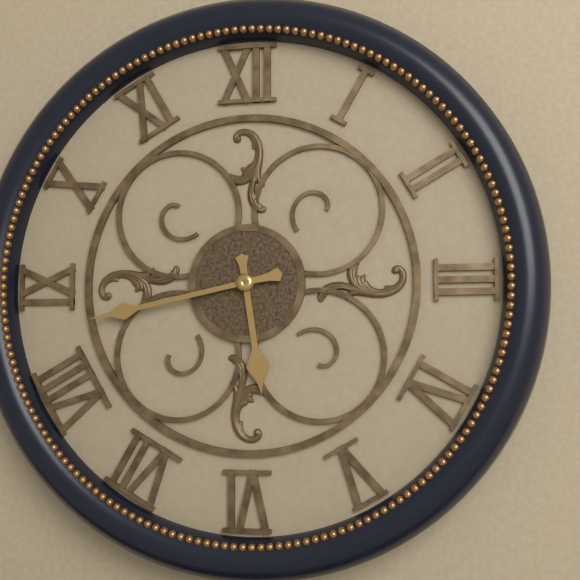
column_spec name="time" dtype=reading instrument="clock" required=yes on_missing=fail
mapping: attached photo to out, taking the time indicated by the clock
5:43
